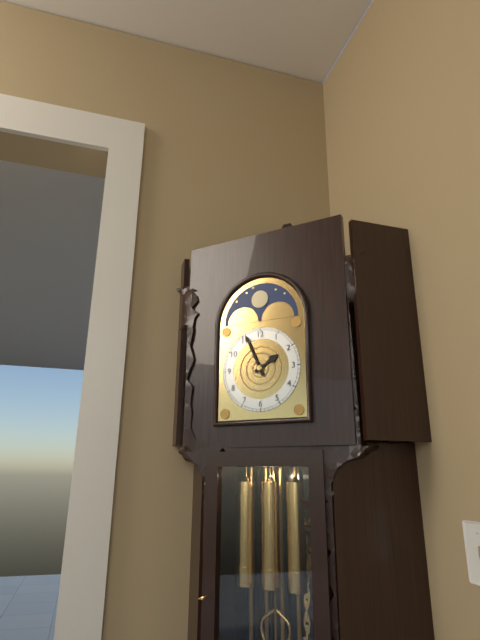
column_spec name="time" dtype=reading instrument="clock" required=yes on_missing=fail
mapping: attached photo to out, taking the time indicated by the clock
1:56
